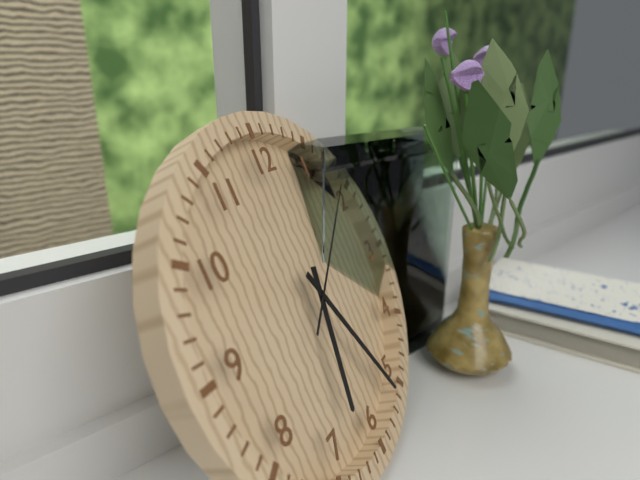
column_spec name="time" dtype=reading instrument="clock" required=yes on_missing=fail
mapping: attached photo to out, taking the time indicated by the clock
6:26:09
